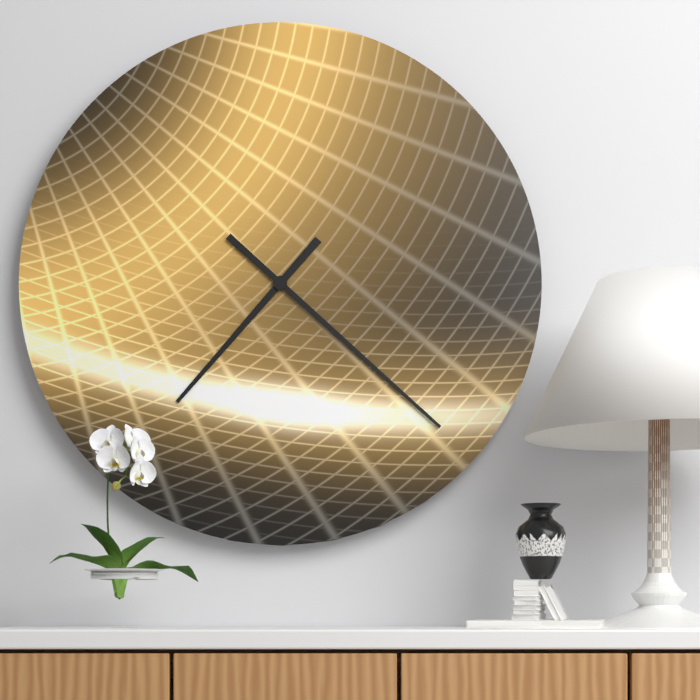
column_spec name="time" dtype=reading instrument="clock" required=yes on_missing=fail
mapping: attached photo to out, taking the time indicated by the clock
7:22
